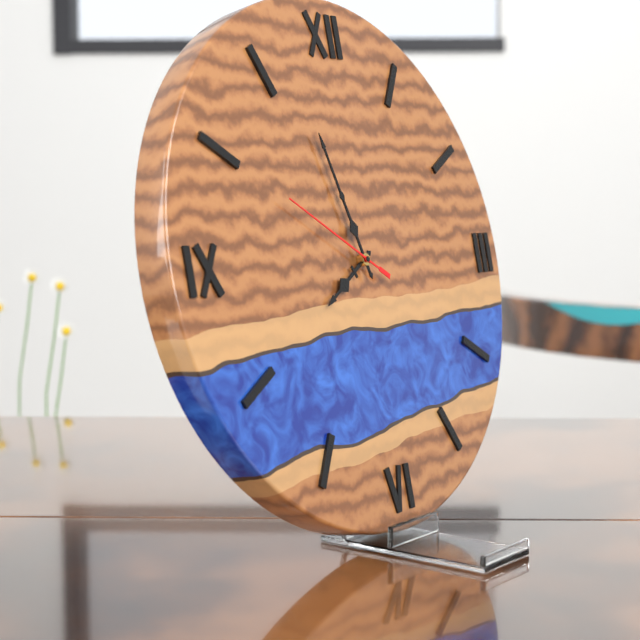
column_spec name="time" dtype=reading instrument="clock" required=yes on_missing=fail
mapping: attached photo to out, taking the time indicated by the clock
7:57:50
